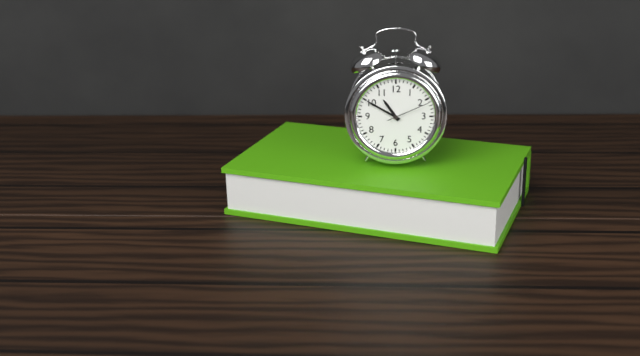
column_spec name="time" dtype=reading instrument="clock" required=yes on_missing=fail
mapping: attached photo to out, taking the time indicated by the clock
10:50
